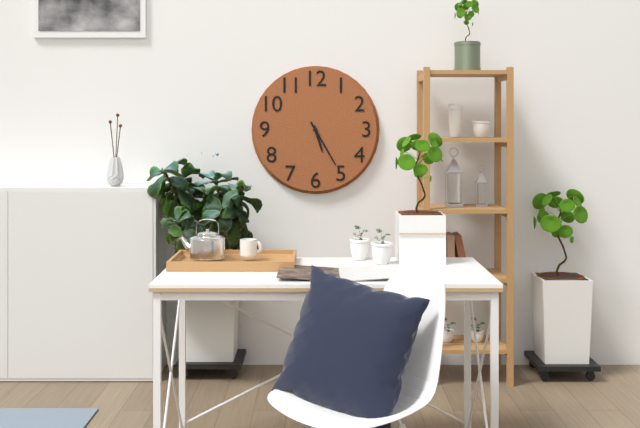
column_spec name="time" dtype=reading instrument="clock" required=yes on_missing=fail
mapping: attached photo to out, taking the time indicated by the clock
5:25
